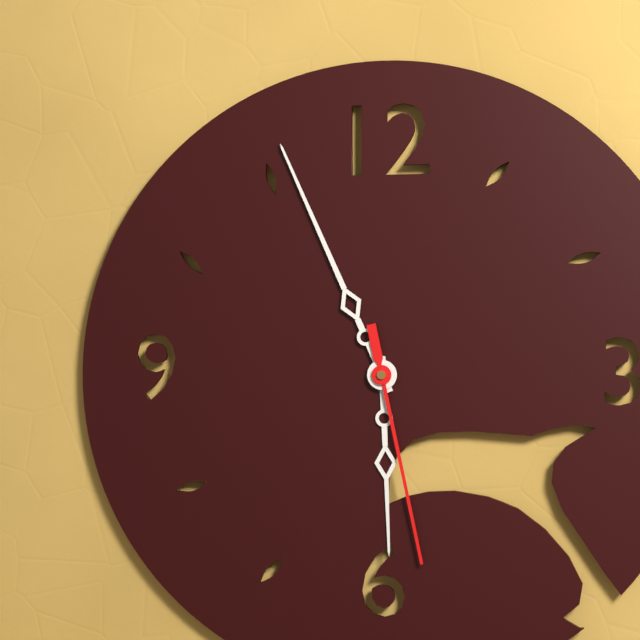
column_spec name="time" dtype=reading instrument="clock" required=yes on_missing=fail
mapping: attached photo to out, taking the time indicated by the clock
5:56:28
